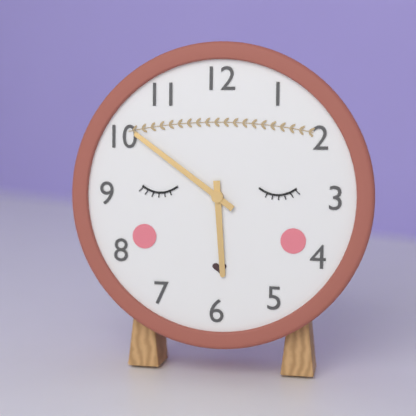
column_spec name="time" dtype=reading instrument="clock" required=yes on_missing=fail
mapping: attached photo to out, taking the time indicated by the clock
5:51
